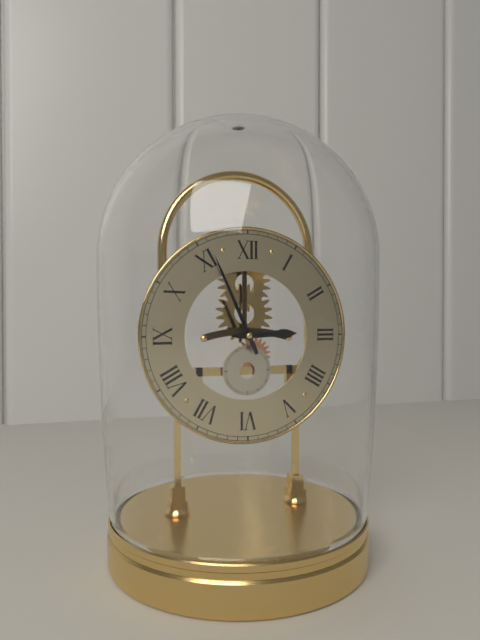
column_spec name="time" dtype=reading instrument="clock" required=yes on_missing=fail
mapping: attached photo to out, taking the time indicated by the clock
2:56
